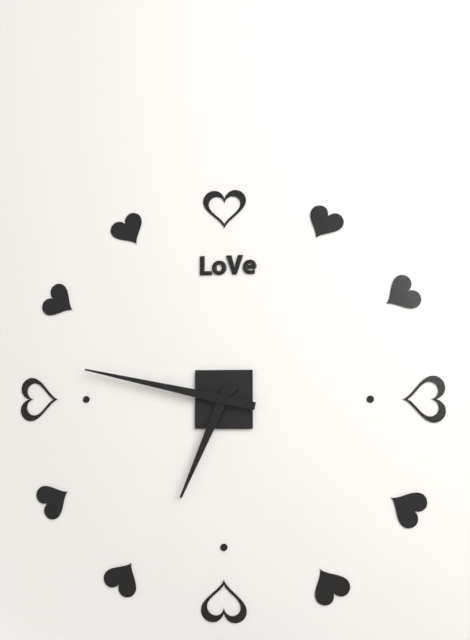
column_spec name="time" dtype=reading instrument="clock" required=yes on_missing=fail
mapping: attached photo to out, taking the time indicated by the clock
6:47
